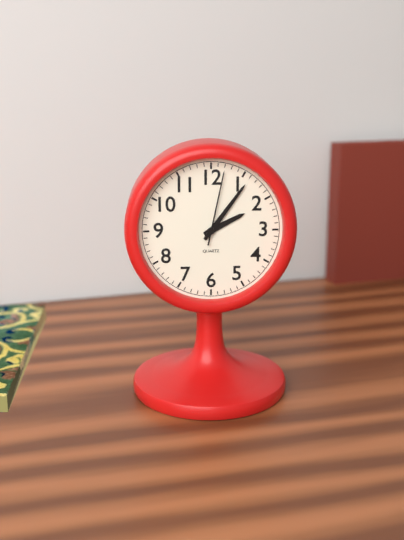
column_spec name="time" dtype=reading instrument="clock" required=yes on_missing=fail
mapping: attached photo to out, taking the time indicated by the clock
2:06:02
